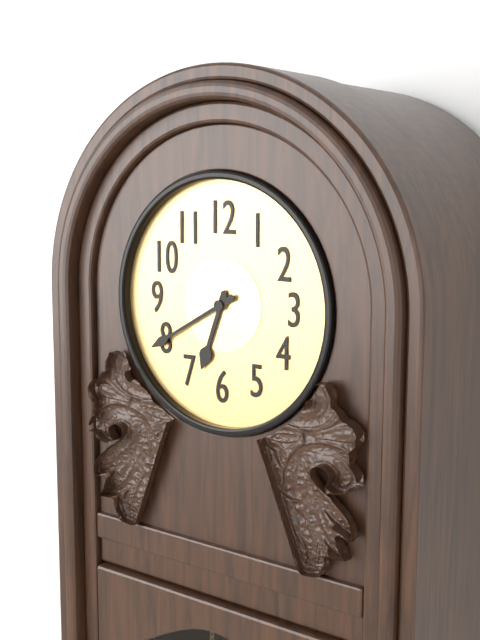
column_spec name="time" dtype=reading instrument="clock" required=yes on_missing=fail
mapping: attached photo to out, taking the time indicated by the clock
6:40
